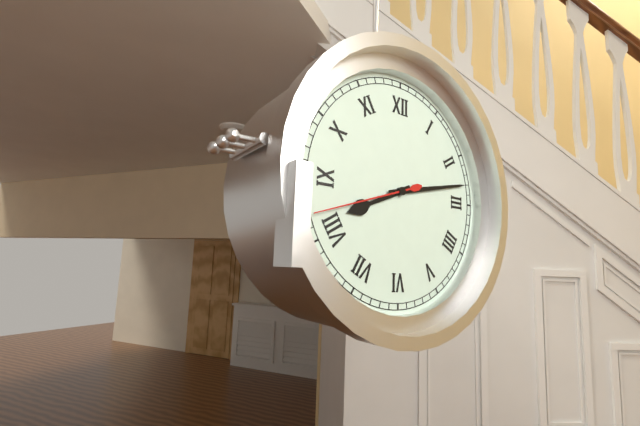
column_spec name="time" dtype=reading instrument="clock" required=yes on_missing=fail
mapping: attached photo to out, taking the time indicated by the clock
8:13:42
